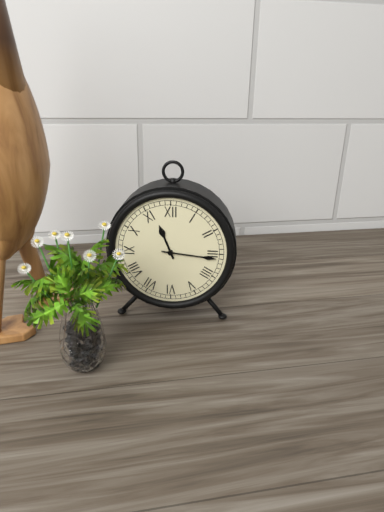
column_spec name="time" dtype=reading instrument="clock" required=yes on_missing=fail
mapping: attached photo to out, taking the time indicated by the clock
11:16
